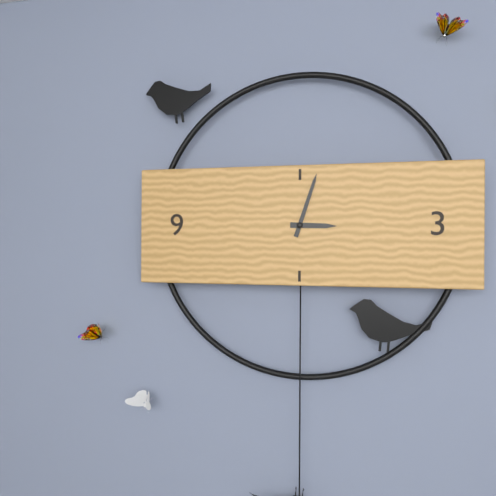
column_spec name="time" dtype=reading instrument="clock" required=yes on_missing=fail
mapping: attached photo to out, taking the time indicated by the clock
3:03
